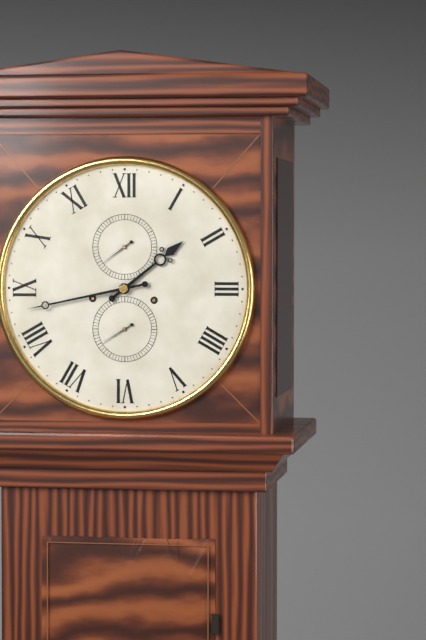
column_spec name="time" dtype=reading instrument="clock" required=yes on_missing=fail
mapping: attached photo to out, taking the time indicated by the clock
1:43
